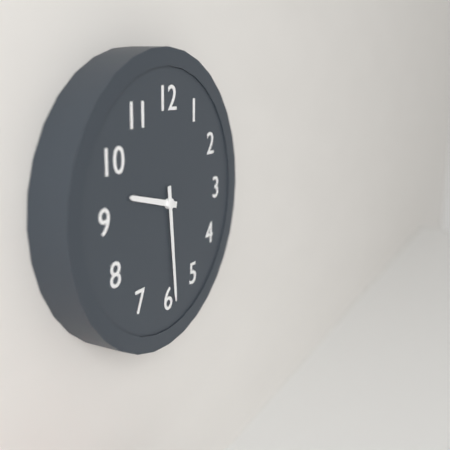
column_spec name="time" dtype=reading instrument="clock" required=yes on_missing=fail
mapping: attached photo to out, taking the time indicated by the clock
9:29
